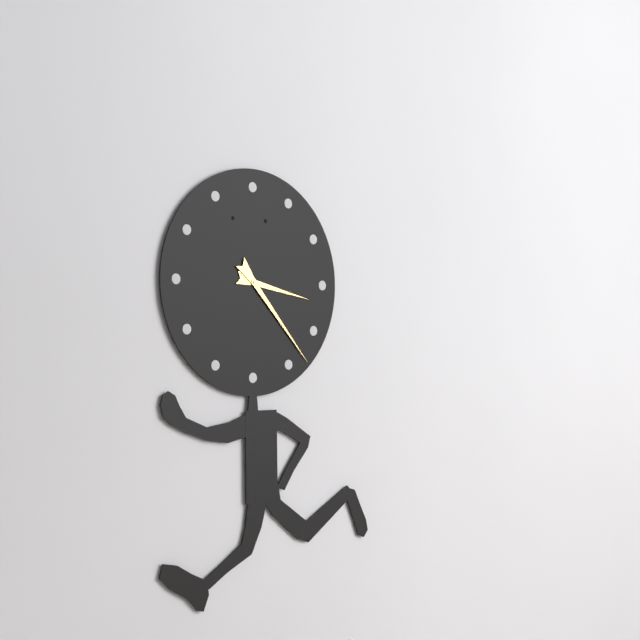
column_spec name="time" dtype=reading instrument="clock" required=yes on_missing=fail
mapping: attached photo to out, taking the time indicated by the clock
3:23
